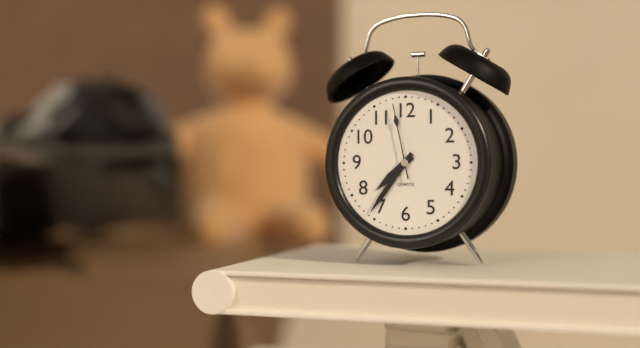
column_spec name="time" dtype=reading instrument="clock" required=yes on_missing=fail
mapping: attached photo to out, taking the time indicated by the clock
7:36:58
